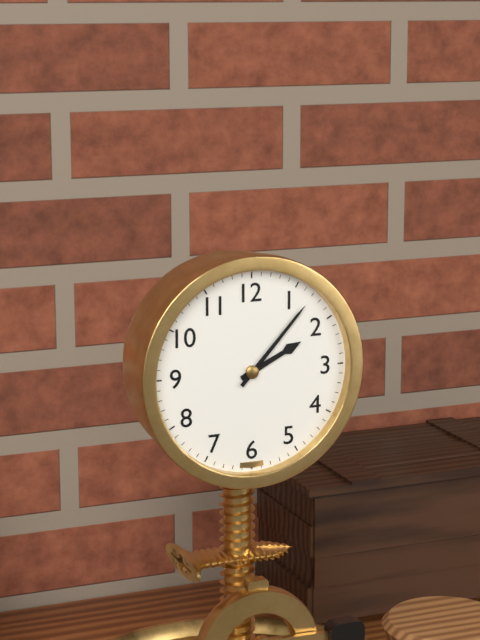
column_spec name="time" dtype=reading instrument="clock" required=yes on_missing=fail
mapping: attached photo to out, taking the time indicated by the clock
2:07
